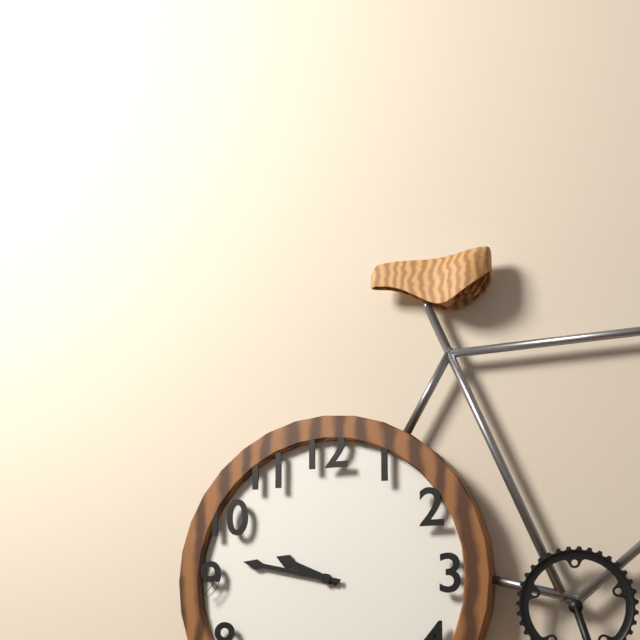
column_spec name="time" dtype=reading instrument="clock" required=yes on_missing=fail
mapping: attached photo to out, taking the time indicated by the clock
9:47
